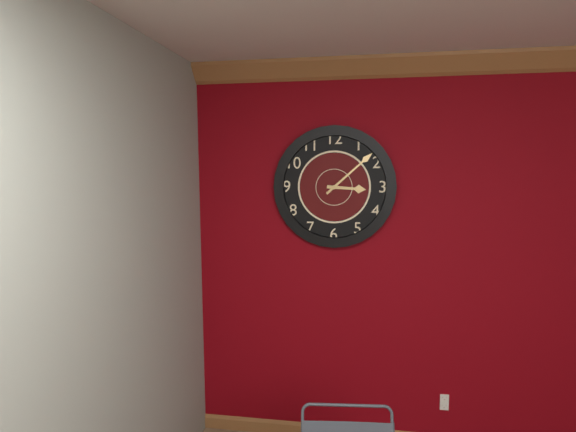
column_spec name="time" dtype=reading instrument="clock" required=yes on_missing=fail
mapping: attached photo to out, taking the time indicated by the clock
3:08
